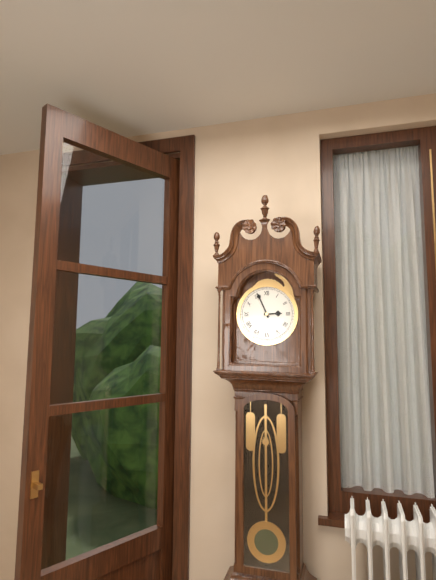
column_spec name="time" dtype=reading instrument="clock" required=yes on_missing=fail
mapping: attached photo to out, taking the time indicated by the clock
2:56
